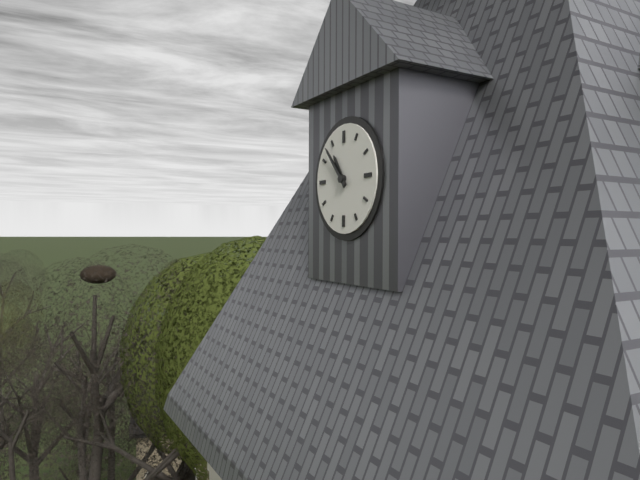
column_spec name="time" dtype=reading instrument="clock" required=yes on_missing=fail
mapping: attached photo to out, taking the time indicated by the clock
10:53
